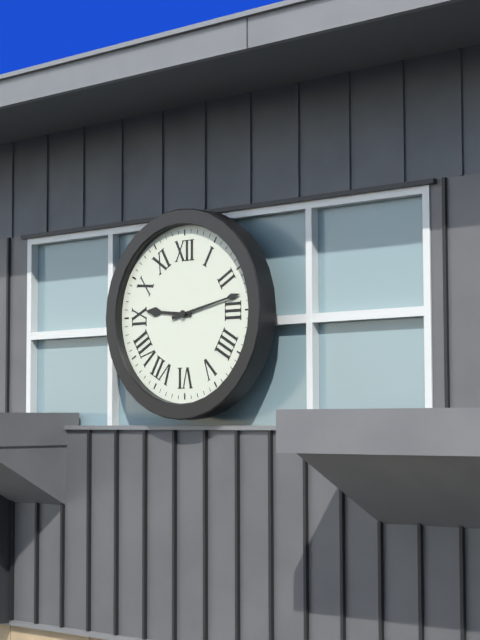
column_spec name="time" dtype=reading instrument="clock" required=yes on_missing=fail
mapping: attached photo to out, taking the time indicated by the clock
9:13
